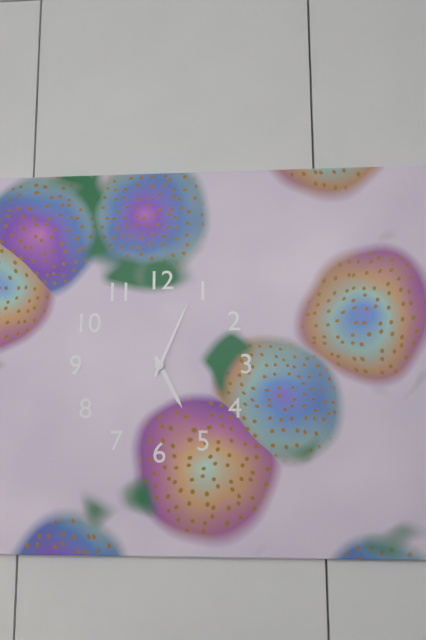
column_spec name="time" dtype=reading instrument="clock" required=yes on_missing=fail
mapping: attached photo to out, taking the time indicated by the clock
5:04
